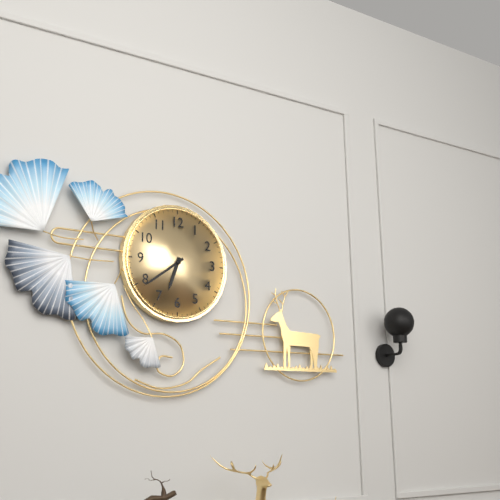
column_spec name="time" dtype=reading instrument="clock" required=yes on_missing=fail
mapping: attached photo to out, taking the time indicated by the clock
6:39
